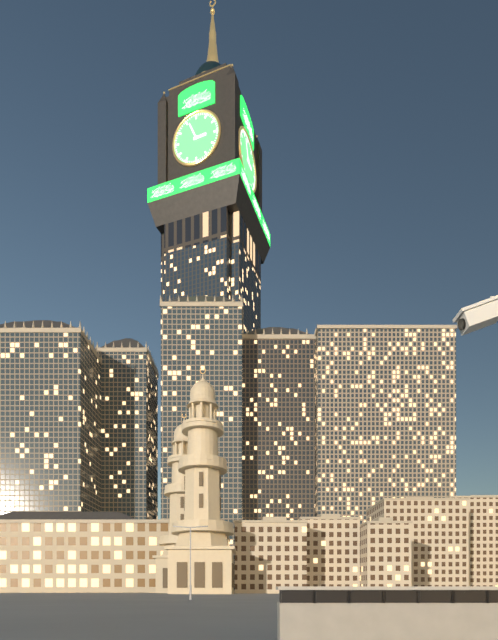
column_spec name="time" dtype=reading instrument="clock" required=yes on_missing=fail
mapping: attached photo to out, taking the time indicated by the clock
2:56
